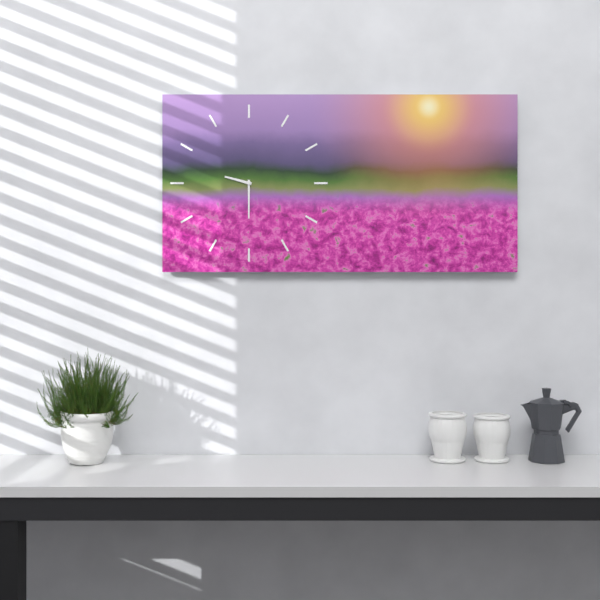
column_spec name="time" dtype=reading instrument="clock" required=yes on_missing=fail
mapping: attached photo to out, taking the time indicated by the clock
9:30
